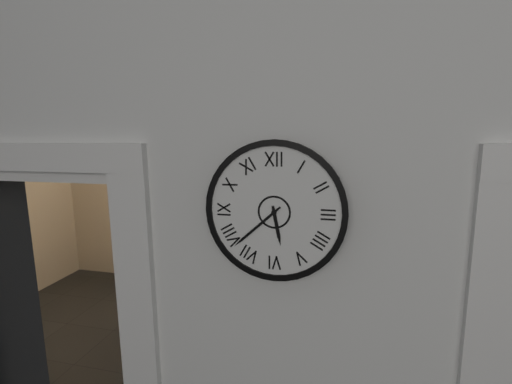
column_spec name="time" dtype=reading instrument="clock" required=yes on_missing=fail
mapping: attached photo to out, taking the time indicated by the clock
5:38
